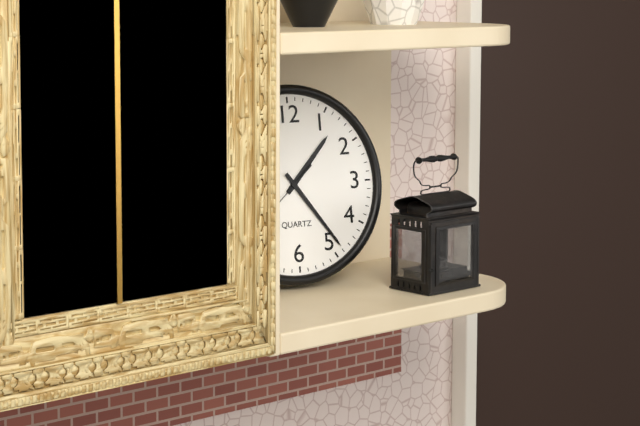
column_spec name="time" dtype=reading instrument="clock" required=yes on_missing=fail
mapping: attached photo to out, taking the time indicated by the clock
1:24
